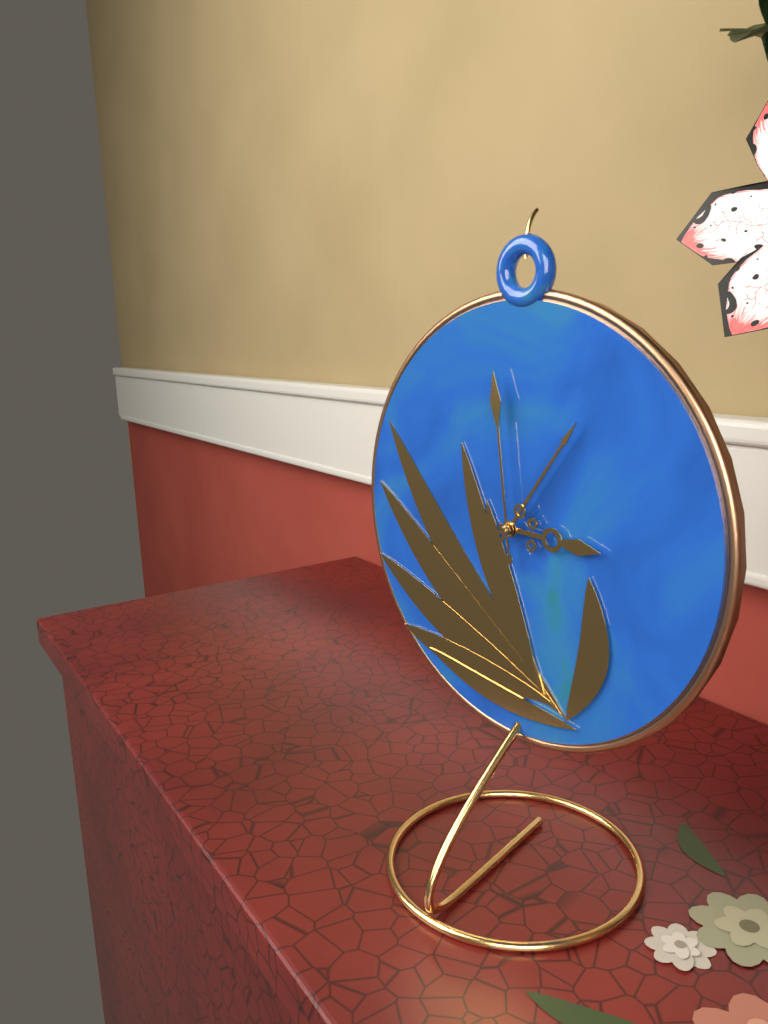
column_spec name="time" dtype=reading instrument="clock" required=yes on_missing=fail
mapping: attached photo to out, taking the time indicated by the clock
3:06:59
